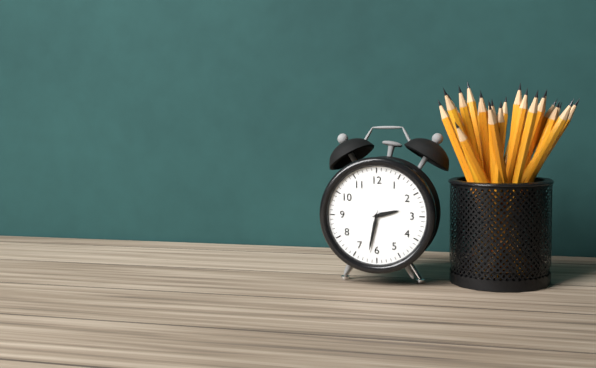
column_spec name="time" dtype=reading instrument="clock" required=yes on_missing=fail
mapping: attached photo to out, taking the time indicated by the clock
2:32
